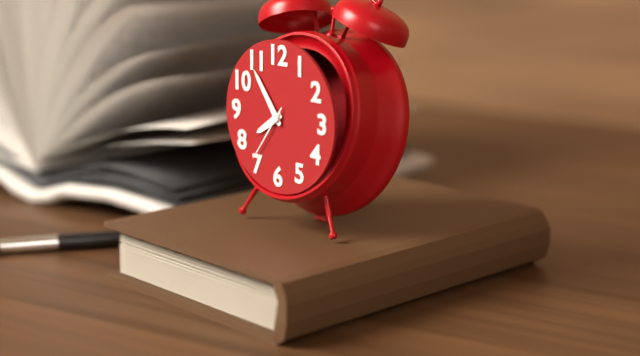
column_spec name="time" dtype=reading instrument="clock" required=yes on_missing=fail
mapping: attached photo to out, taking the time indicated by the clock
7:54:36
